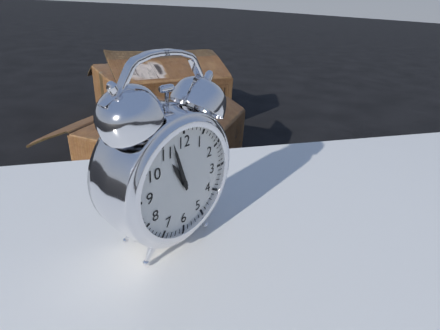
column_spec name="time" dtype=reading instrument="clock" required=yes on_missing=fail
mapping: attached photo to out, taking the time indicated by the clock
10:57
